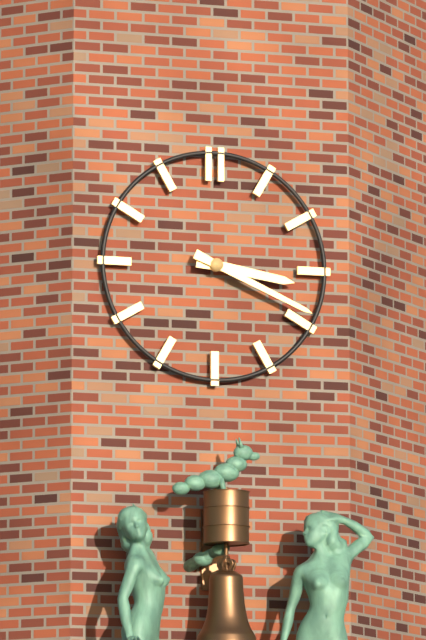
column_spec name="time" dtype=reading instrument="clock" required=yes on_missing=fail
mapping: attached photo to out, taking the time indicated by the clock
3:19
